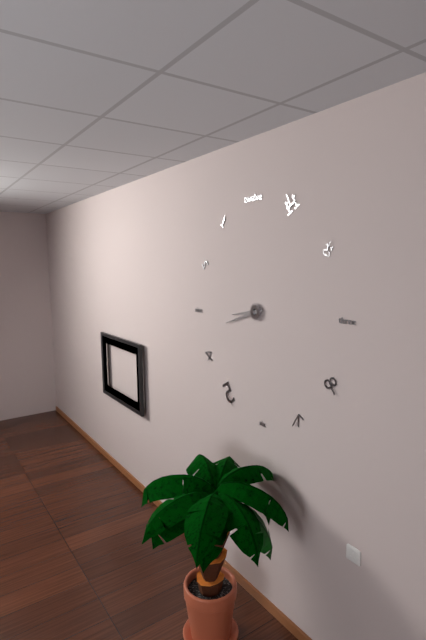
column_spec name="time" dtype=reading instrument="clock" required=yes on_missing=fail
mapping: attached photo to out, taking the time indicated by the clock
8:42
